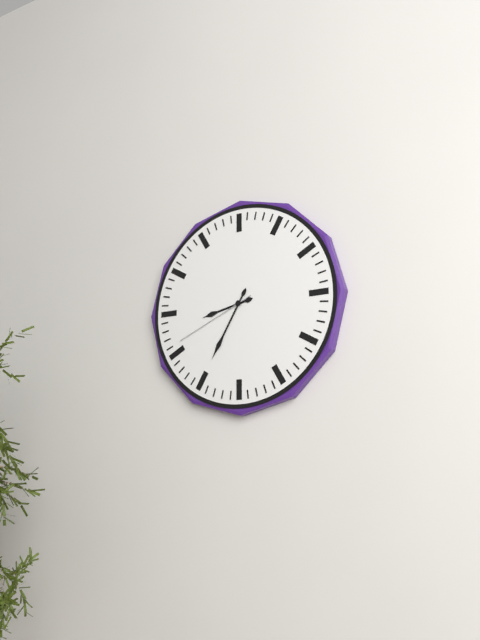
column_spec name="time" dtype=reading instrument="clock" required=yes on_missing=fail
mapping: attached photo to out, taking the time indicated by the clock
8:35:41
